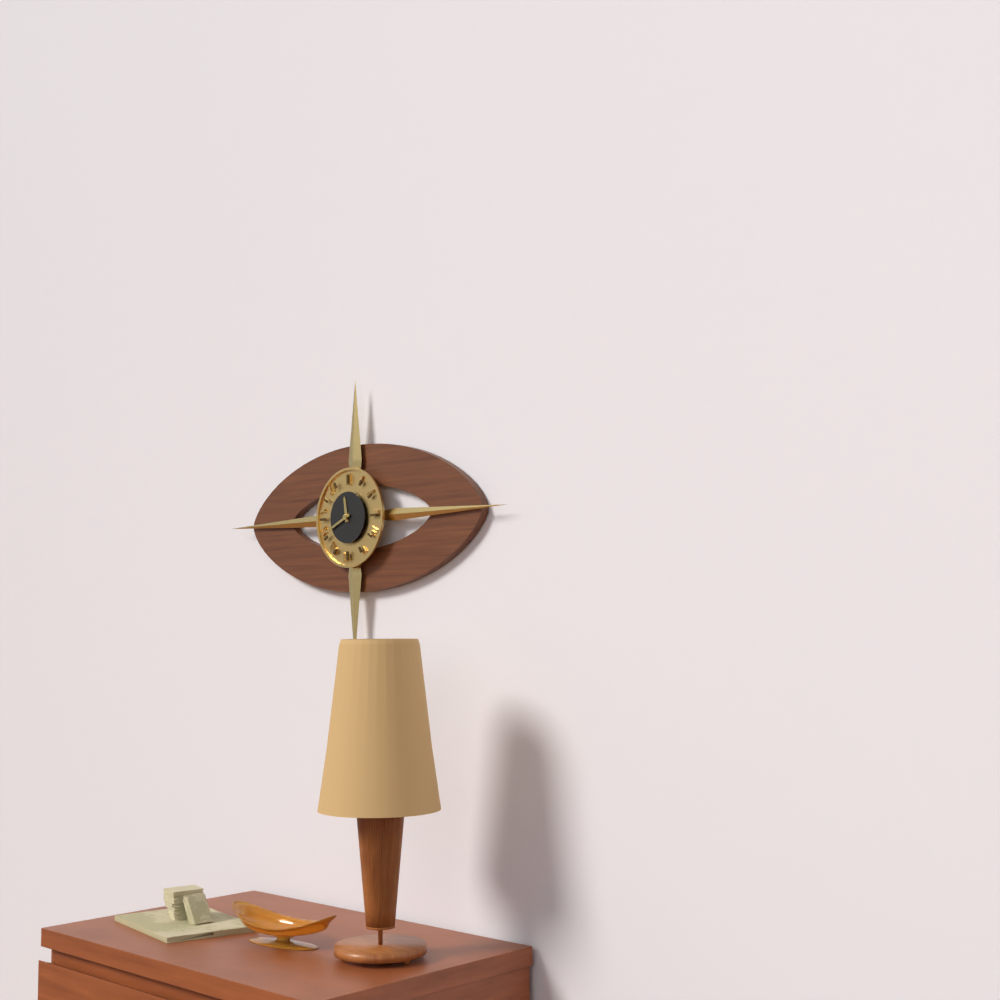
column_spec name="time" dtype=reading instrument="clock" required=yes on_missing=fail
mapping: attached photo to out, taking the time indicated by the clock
11:41
